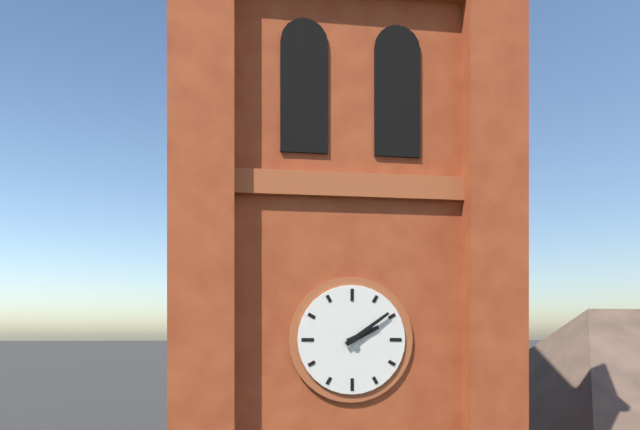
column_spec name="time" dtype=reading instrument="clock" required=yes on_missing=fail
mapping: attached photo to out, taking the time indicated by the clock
2:09
